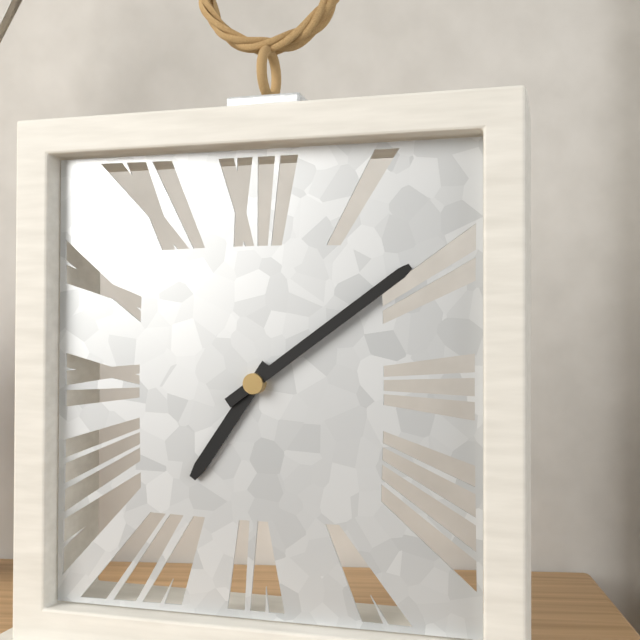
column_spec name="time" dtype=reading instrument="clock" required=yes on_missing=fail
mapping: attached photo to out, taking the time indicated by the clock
7:09
